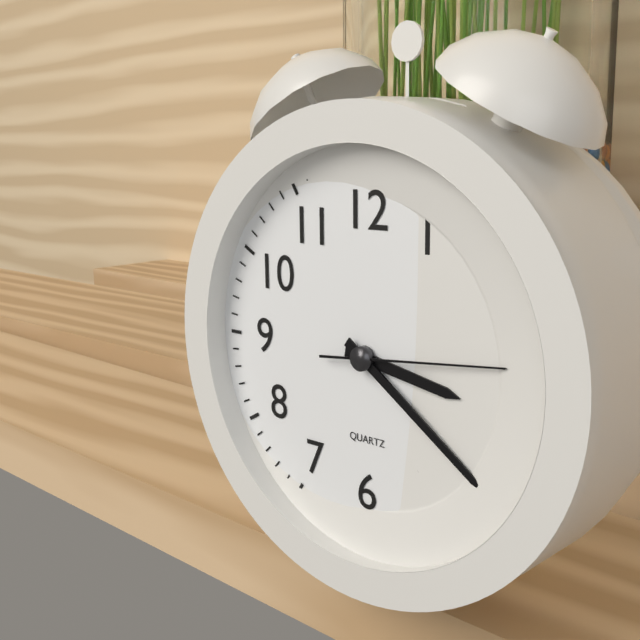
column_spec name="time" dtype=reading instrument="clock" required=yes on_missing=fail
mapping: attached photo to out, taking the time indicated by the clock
3:21:14
